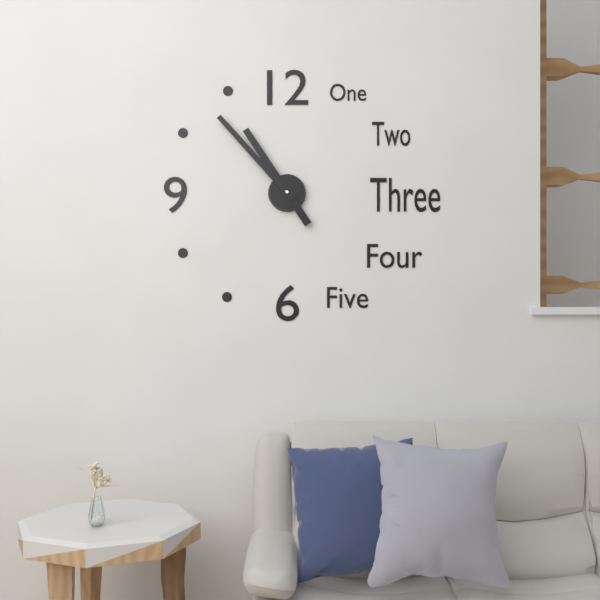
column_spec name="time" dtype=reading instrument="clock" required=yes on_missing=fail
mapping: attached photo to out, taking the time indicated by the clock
10:53
